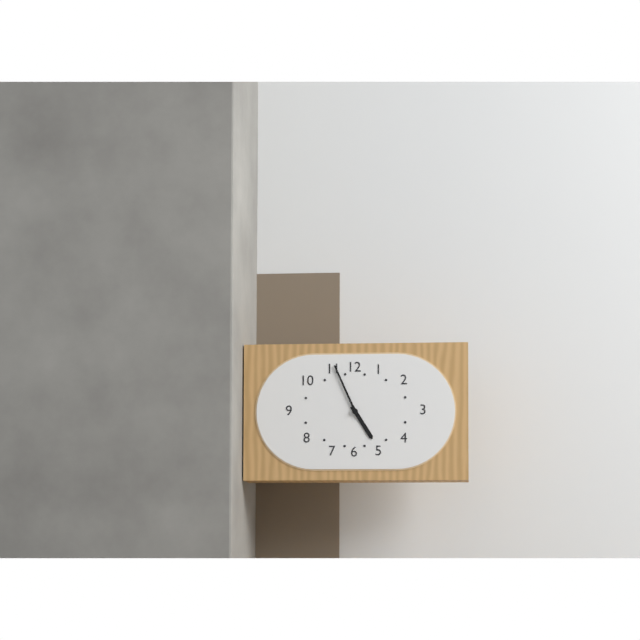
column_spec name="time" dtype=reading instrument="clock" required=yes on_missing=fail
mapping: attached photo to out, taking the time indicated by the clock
4:56
